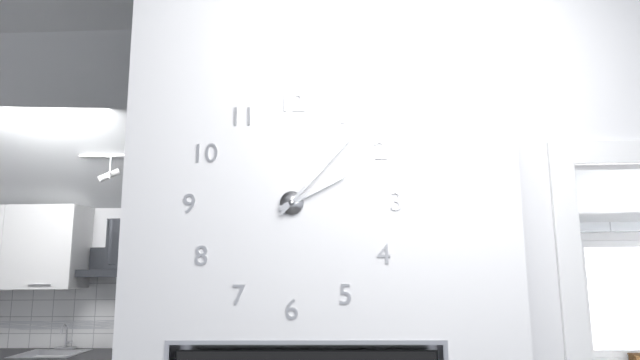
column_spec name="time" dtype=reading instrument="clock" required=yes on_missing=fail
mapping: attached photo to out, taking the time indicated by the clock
2:07
